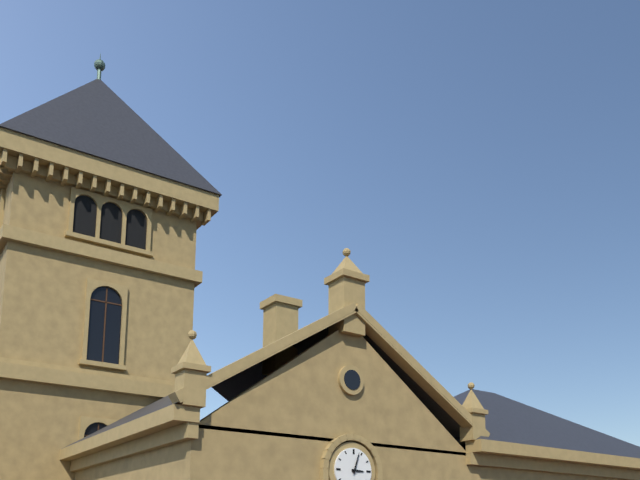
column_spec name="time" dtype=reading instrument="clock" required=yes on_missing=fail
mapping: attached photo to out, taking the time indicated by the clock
3:03
